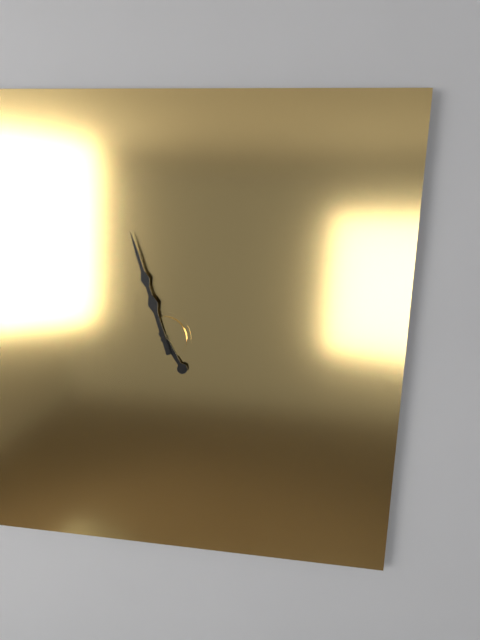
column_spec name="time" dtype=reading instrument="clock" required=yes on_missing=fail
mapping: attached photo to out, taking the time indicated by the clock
4:57
